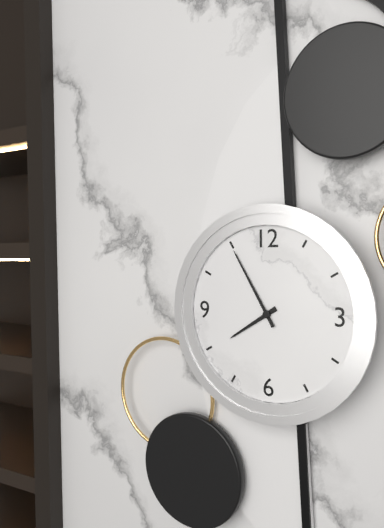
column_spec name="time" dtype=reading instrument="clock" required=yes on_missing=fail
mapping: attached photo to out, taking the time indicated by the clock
7:55
